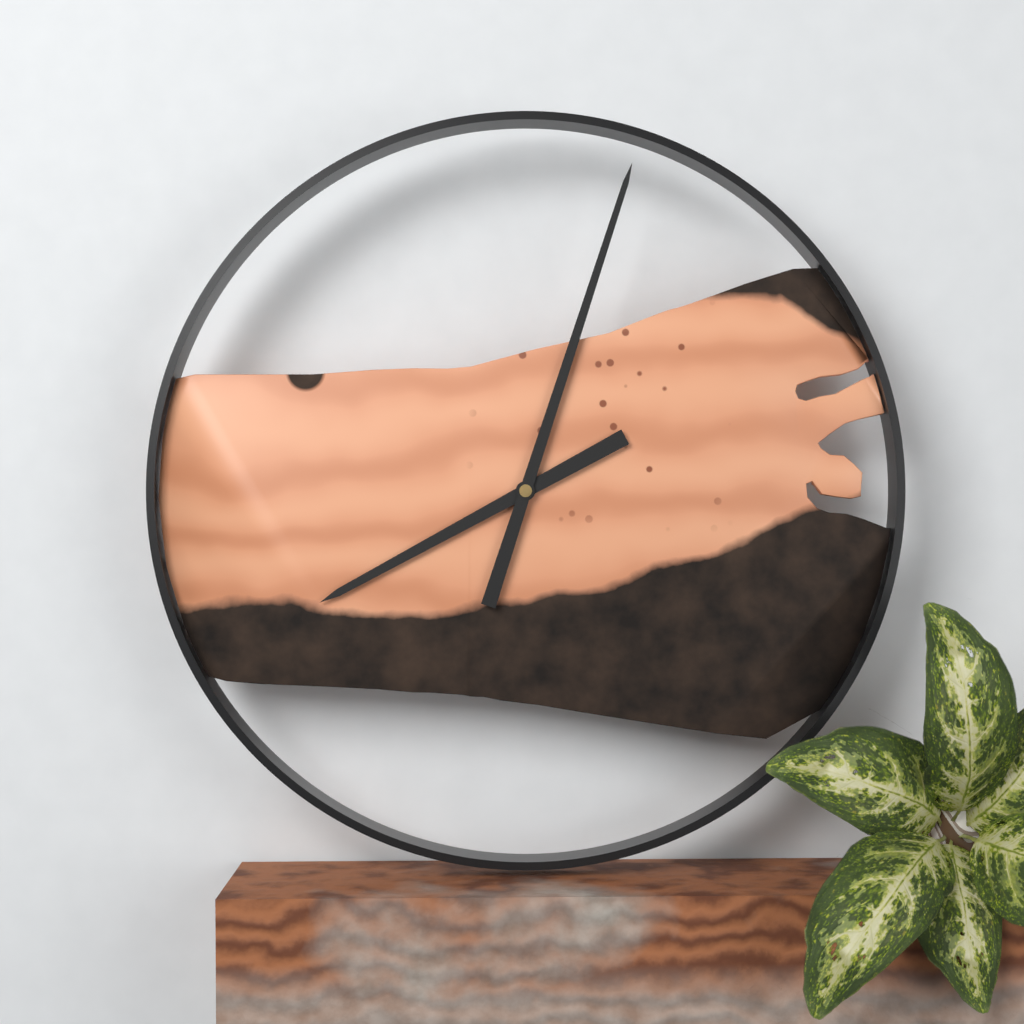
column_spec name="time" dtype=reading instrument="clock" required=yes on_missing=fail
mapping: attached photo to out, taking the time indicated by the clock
8:03
